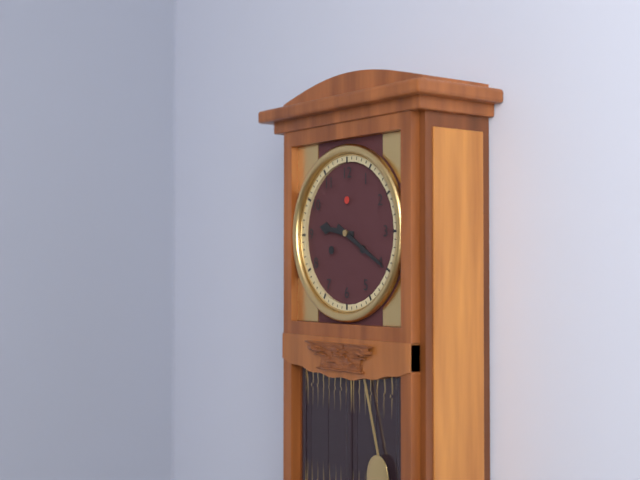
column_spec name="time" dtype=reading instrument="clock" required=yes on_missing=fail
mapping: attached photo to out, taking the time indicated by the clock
9:20
